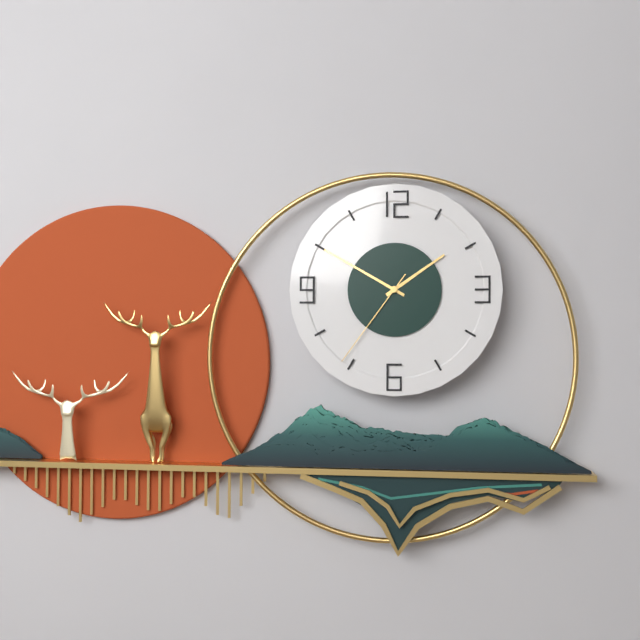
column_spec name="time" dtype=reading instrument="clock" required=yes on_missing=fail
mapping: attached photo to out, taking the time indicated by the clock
1:50:36
